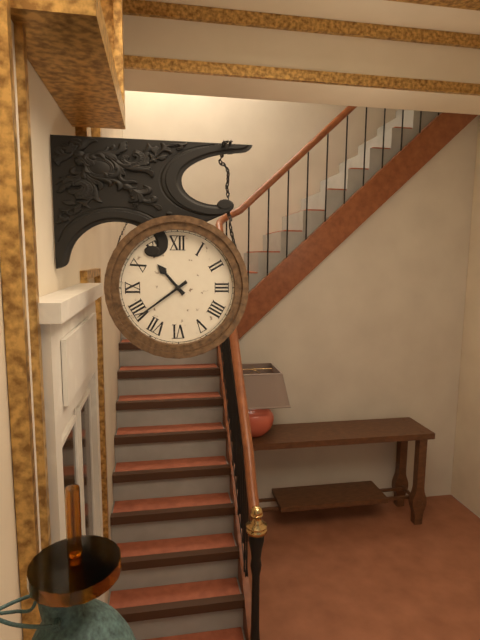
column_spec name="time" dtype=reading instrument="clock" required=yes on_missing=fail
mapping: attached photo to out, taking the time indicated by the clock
10:39
